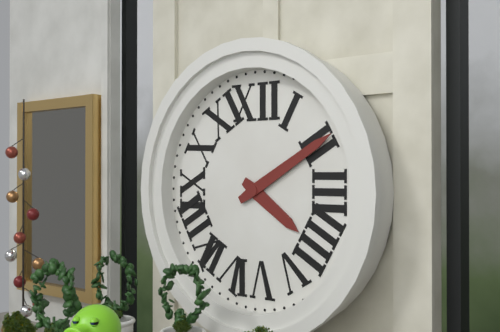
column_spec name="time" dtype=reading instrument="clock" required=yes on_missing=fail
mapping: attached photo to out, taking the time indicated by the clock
4:10
